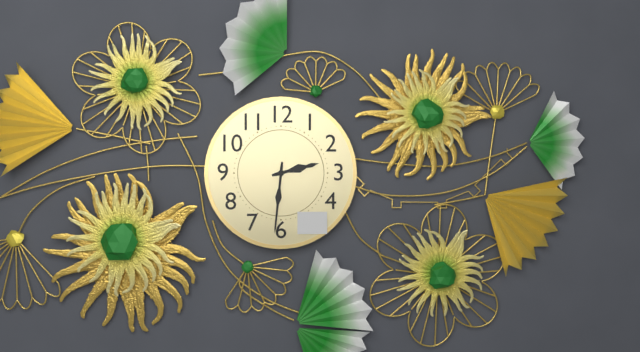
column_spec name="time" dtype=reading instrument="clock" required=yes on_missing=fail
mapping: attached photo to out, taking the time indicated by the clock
2:31
